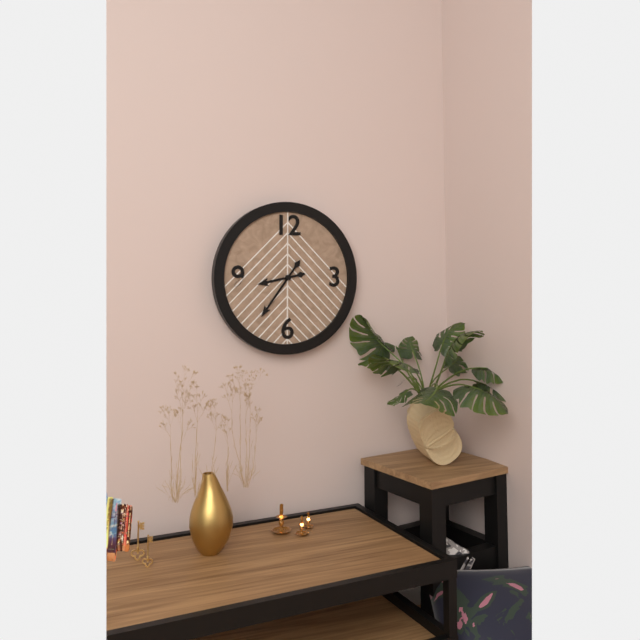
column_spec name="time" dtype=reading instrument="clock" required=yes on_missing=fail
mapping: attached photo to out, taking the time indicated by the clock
8:36
